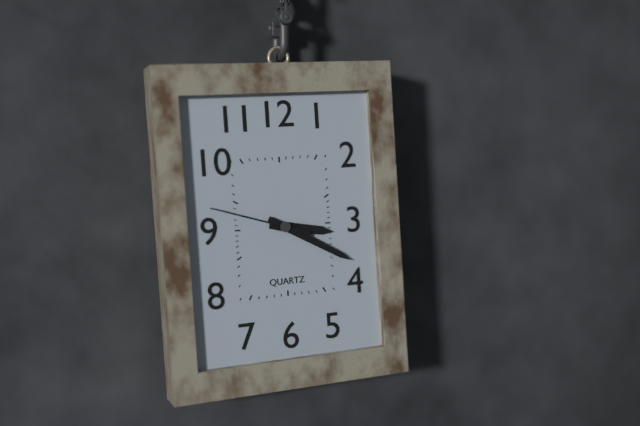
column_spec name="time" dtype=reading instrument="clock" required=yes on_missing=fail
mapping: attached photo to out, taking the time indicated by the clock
3:20:48
